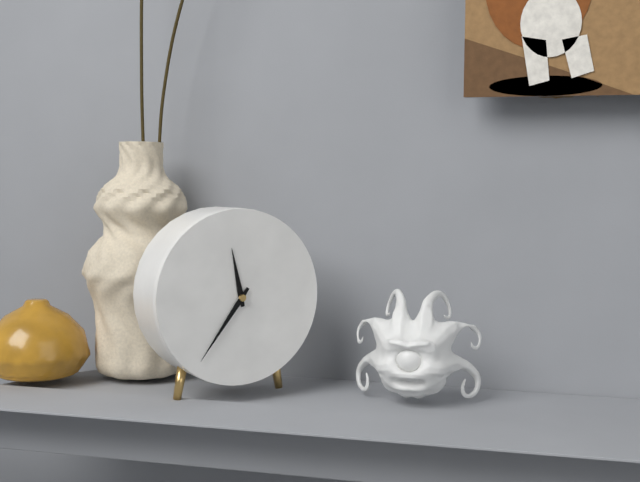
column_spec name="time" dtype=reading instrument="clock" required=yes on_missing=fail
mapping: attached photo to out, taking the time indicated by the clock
11:36
